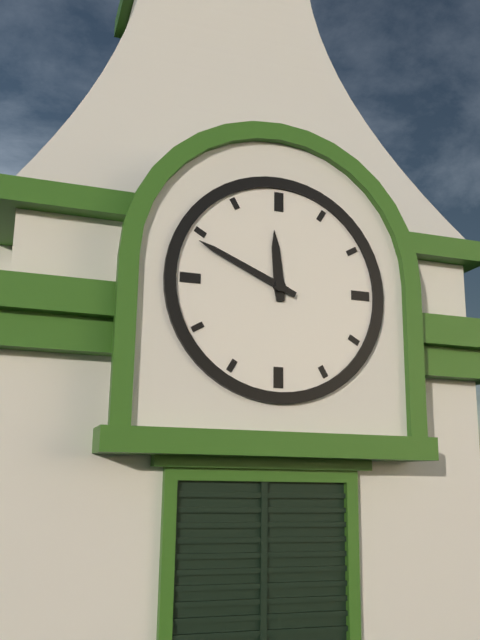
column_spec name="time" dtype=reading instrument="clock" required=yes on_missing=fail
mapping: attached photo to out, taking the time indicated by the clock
11:49
